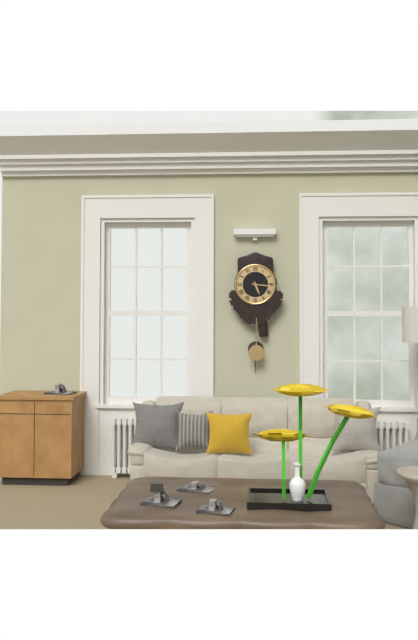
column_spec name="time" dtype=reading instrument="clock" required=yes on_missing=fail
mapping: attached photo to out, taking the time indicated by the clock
5:16
